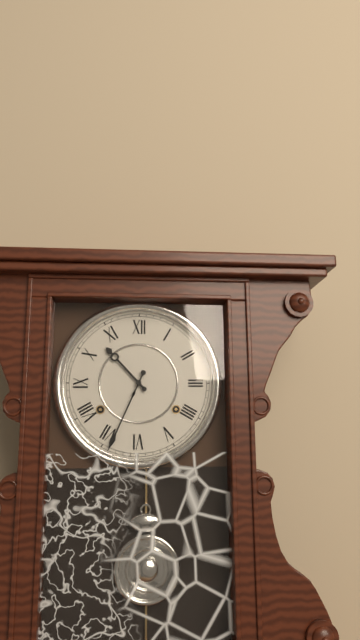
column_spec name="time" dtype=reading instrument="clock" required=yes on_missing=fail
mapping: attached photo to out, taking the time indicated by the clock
10:34
